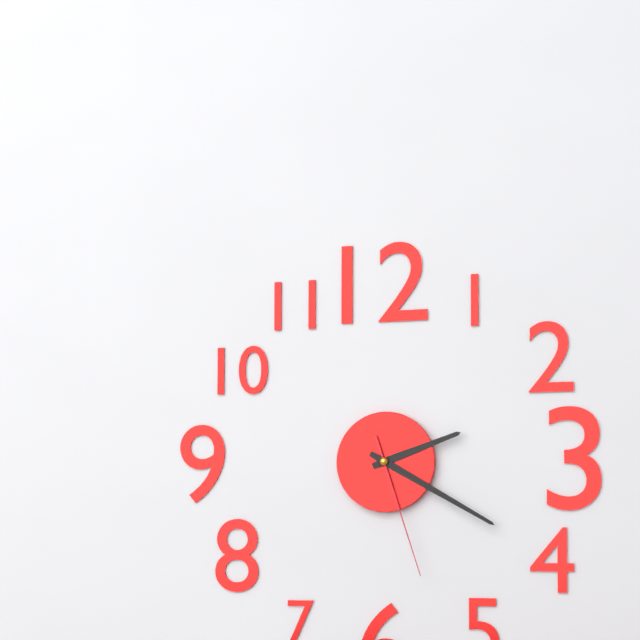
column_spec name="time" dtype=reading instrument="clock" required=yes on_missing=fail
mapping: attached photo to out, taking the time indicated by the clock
2:20:27
